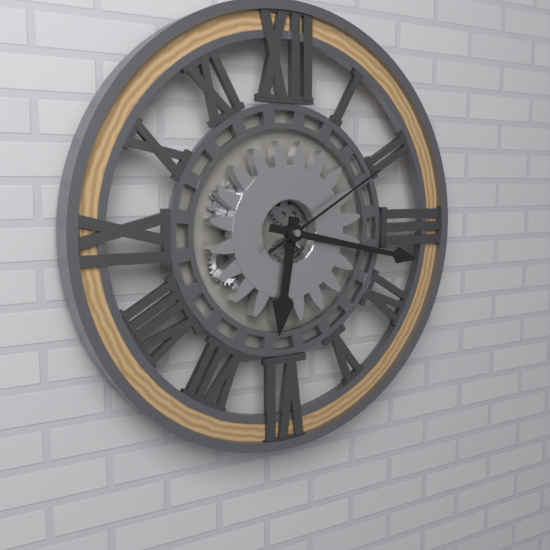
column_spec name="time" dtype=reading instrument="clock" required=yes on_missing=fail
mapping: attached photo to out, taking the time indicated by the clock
6:17:10
